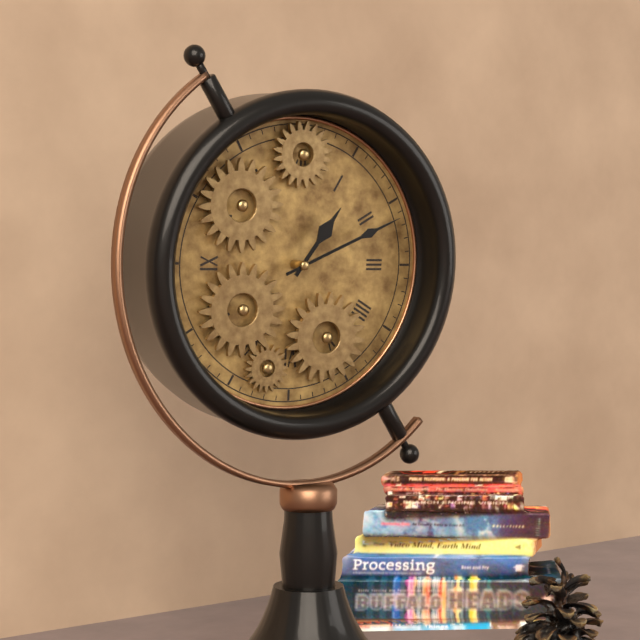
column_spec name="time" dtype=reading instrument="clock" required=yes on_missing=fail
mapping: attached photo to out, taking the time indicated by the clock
1:11
